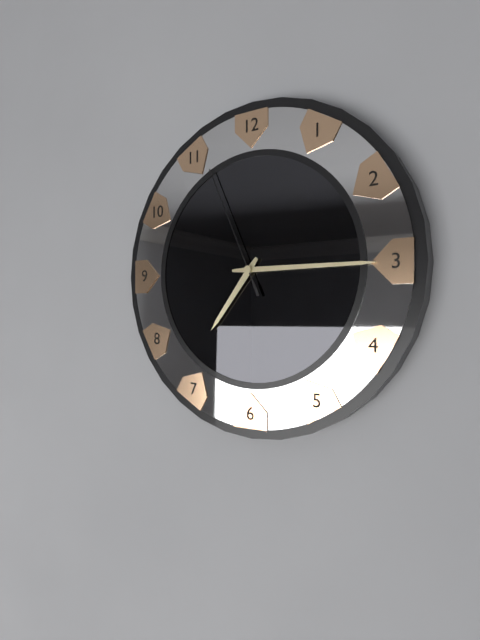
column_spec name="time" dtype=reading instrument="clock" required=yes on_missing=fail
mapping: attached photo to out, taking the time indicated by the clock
7:15:56
